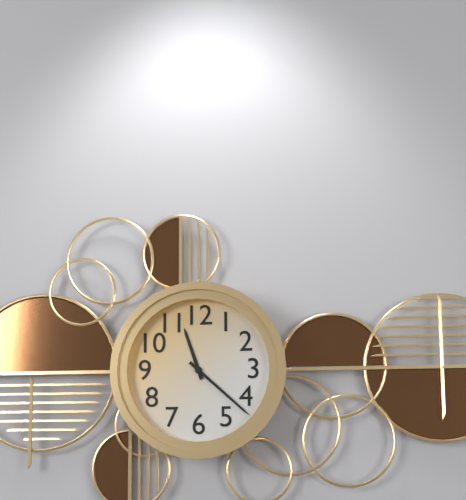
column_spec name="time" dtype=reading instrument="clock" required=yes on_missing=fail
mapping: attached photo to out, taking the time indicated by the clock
11:22
